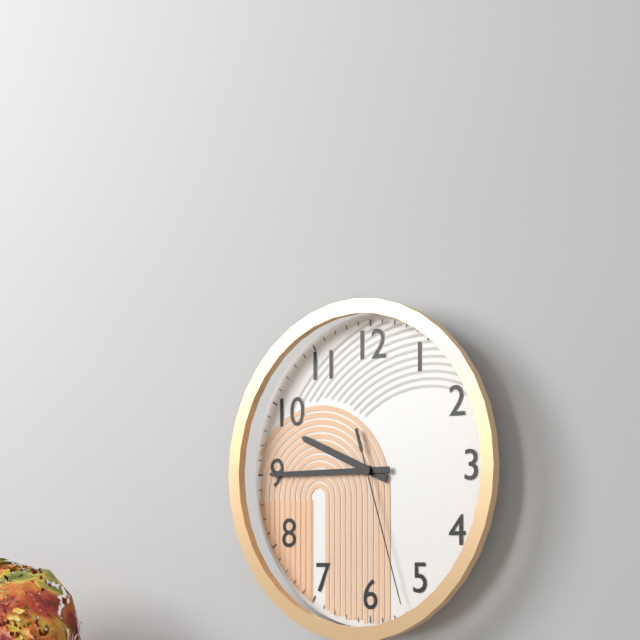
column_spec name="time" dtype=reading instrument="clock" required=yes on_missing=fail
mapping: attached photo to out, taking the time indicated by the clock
9:45:27
